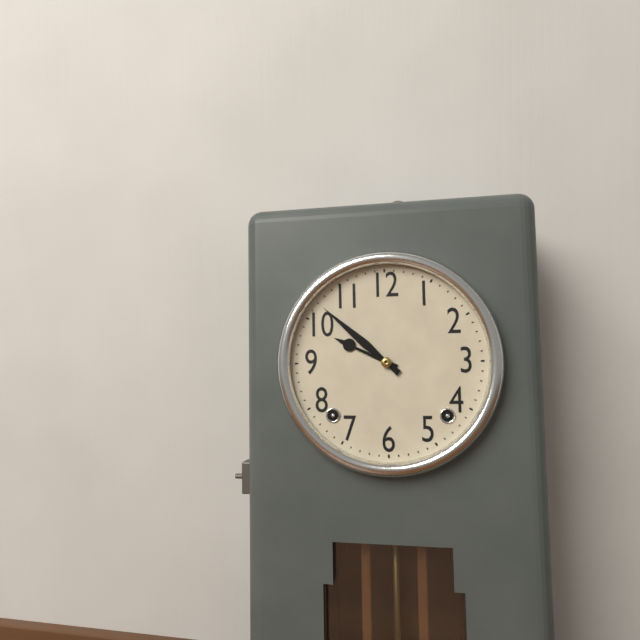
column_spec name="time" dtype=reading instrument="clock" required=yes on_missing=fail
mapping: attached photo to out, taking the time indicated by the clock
9:52
